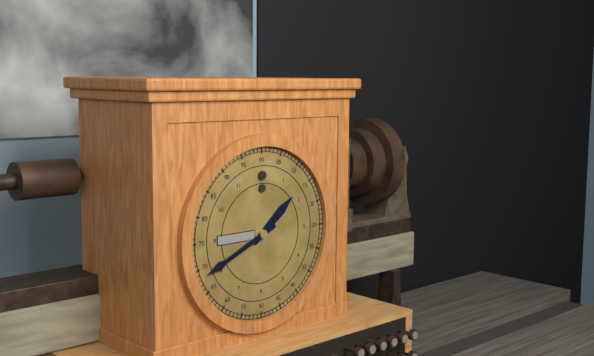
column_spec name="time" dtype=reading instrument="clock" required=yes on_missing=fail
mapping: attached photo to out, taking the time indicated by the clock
1:41
